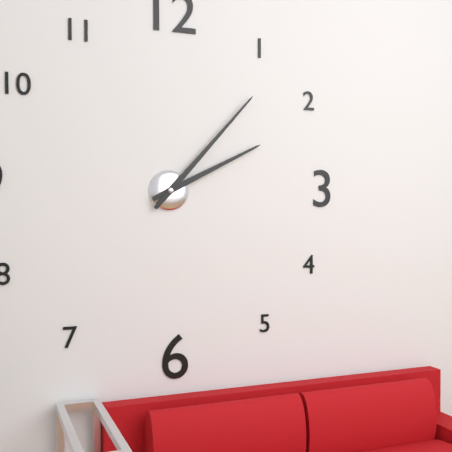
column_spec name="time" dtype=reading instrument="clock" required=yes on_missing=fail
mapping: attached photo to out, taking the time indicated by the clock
2:07
